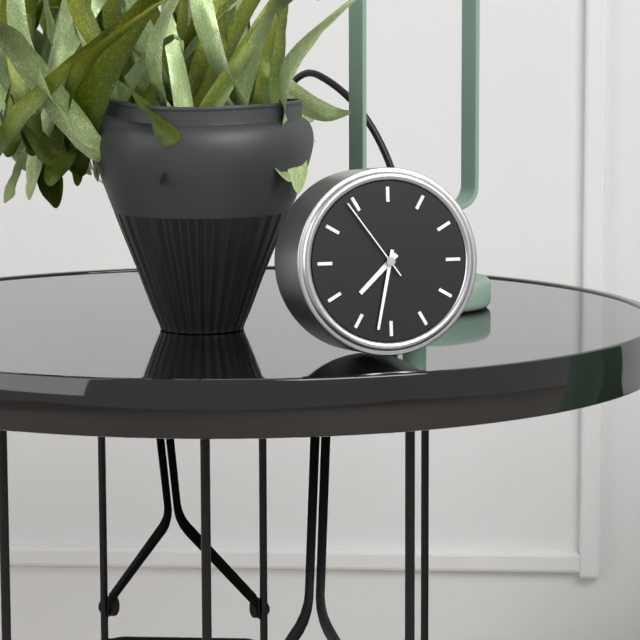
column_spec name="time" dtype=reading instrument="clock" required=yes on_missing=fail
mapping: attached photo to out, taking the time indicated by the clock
7:32:54
